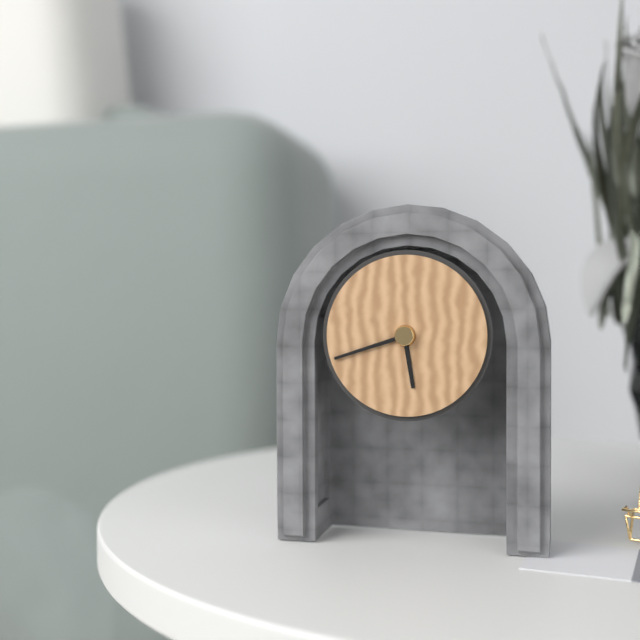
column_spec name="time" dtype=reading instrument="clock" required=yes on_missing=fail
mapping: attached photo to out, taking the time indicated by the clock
5:42
